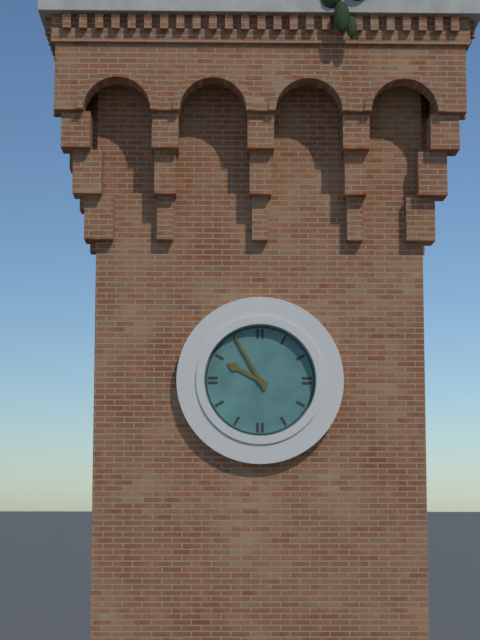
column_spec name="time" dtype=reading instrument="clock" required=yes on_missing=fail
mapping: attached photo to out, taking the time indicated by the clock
9:55
